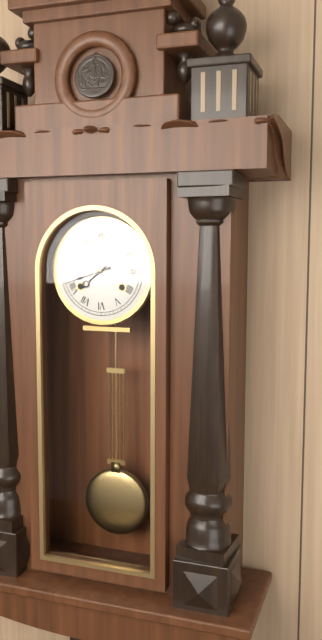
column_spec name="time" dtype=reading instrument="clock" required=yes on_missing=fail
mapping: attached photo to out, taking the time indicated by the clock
7:42
